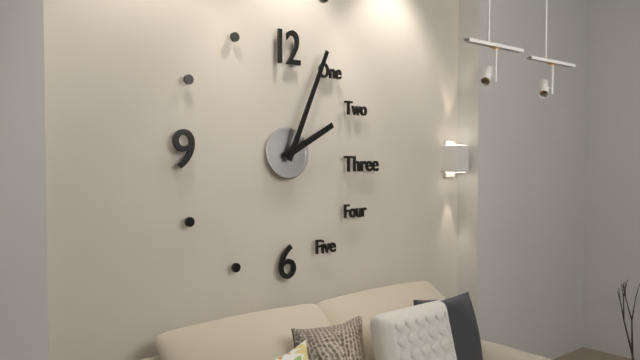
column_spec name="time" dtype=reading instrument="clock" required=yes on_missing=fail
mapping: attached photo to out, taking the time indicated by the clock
2:04
